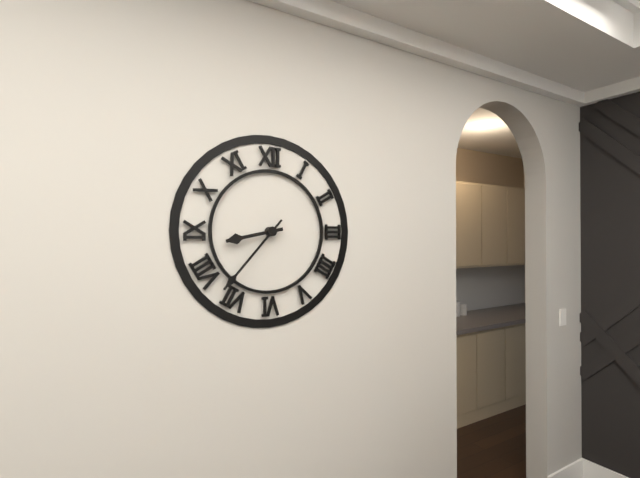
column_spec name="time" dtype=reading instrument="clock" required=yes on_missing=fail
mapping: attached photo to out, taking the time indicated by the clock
8:37
